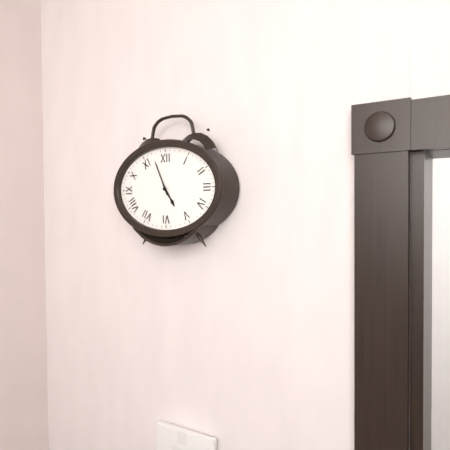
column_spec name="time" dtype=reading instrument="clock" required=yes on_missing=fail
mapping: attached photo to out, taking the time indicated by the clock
4:56
